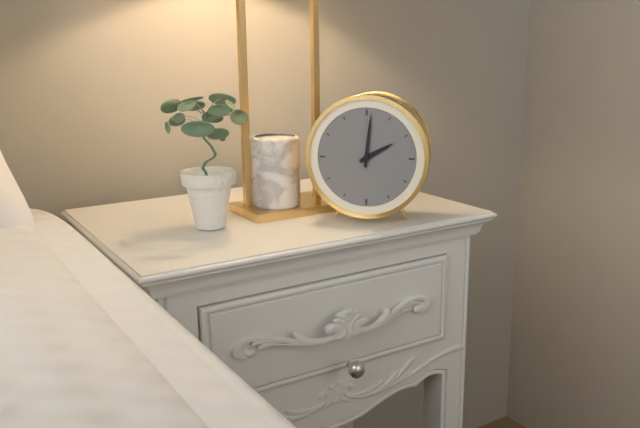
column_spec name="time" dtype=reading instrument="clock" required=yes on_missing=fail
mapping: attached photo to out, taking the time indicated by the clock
2:01
